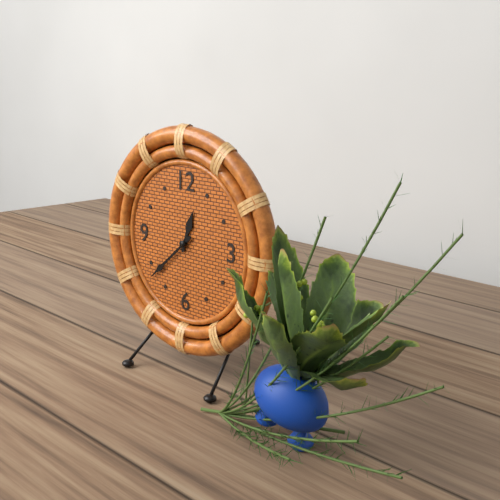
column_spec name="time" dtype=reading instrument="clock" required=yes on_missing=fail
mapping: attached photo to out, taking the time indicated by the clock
12:38
